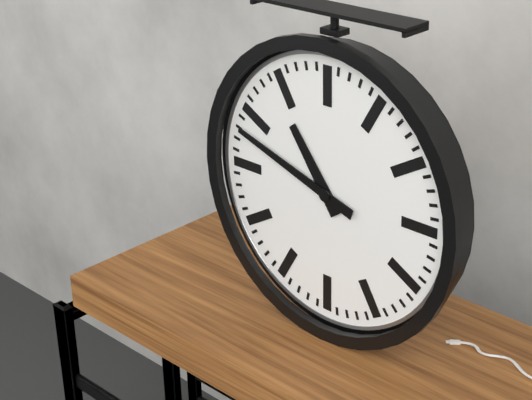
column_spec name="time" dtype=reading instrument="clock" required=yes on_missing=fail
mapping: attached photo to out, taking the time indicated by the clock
10:48
